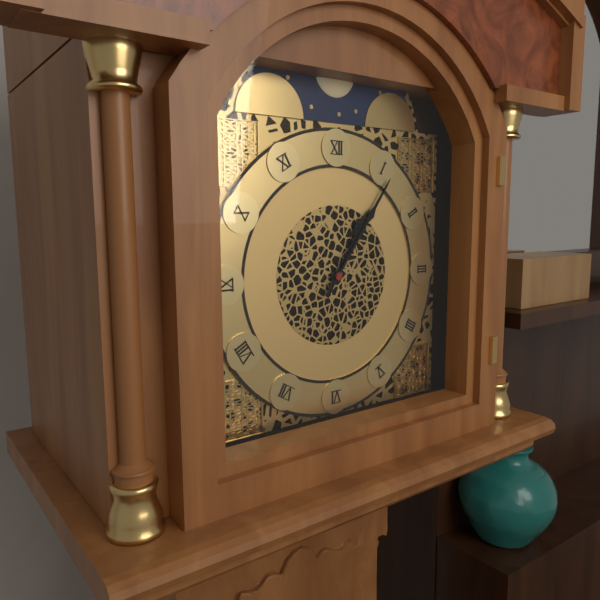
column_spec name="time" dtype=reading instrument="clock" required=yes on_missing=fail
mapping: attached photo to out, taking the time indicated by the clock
1:06
